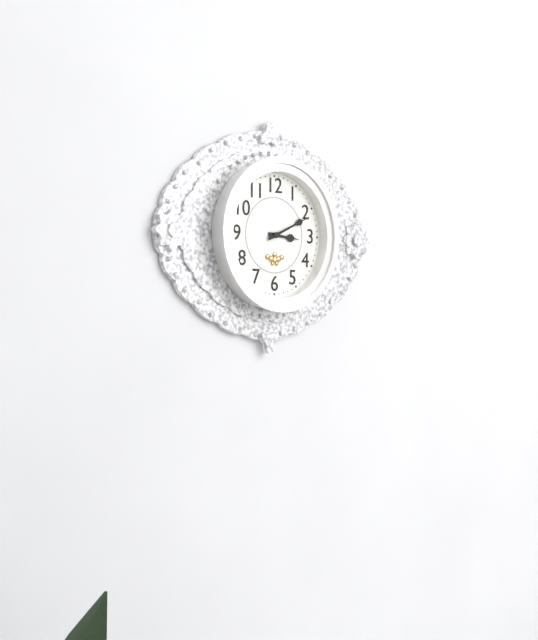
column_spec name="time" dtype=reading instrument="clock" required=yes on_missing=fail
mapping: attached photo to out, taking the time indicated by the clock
3:11
